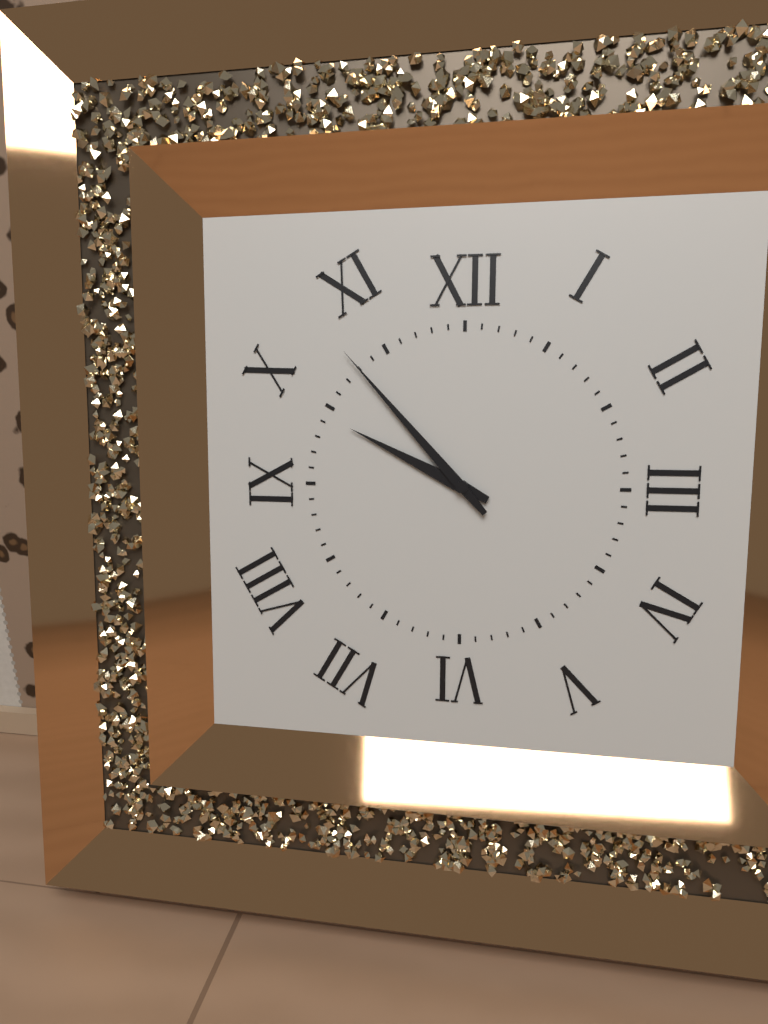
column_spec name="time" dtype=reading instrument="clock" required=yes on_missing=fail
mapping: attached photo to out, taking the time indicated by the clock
9:53
